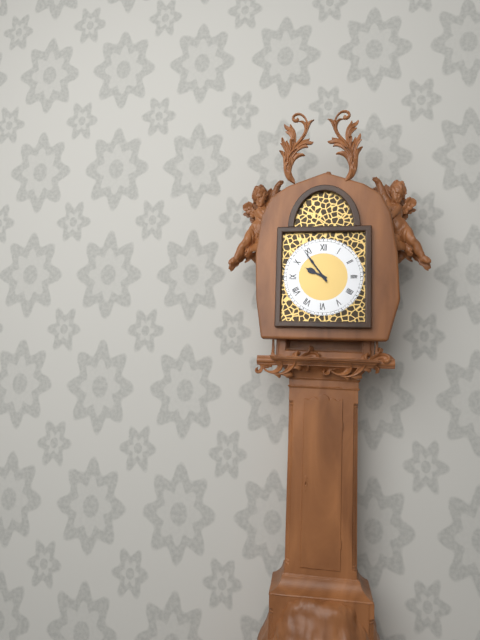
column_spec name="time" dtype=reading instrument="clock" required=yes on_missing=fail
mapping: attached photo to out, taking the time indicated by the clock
9:54
